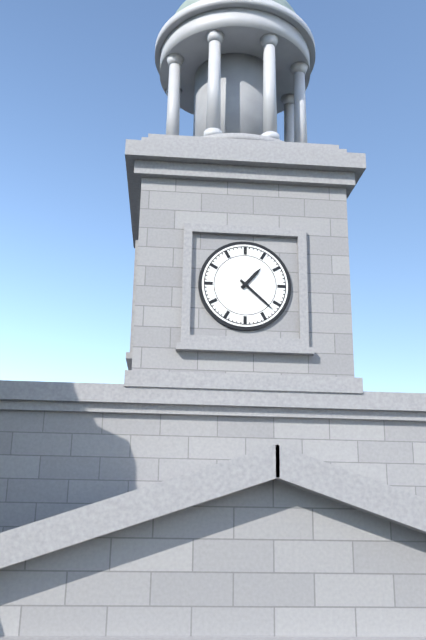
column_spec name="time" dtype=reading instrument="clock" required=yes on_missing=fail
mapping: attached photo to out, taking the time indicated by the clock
1:22
